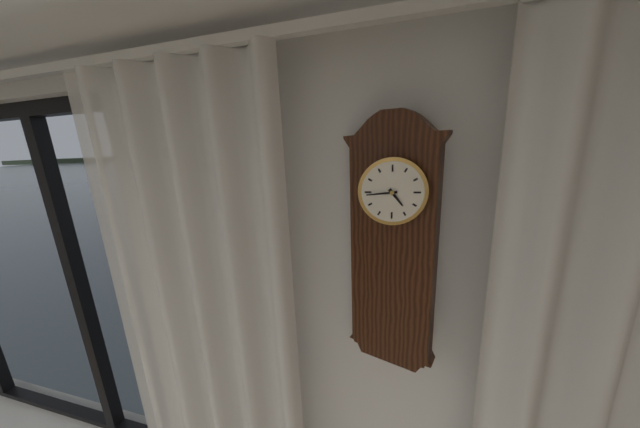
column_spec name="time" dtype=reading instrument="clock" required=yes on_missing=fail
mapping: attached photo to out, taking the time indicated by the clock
4:44
